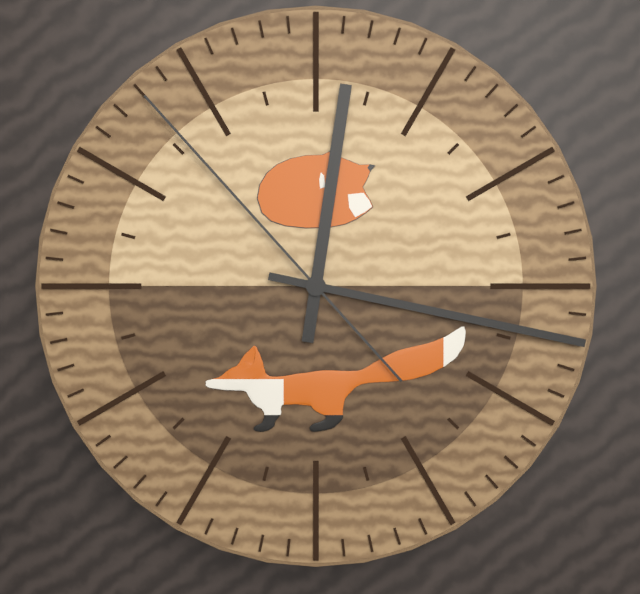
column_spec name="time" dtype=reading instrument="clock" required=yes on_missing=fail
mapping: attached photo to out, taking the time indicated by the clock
12:17:53
